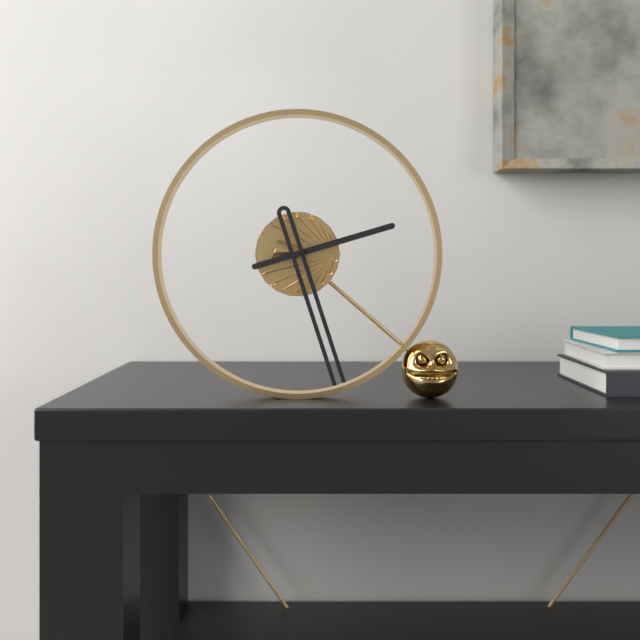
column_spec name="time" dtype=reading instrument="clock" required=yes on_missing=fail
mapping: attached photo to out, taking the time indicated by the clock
2:27
